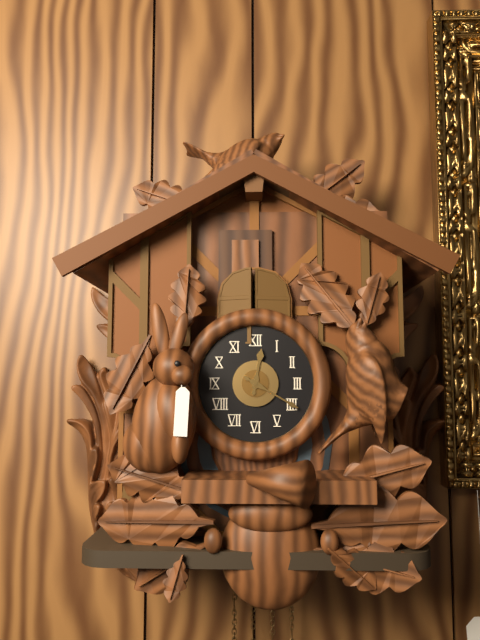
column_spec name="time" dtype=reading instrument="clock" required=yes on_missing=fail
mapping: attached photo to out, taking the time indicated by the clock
12:20
